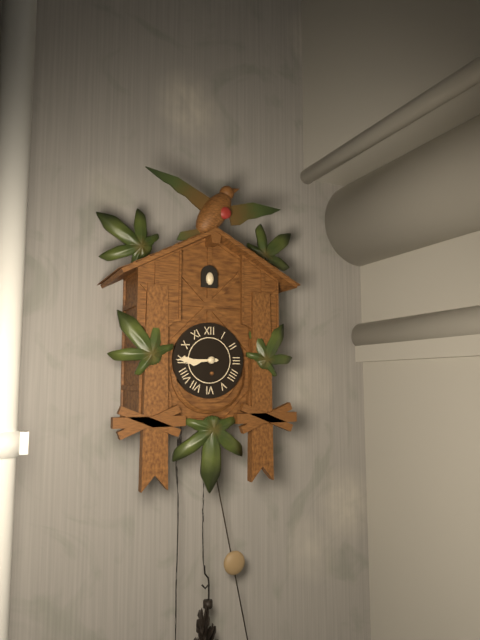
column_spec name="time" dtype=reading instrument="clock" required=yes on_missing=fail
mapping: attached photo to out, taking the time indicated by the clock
8:45
